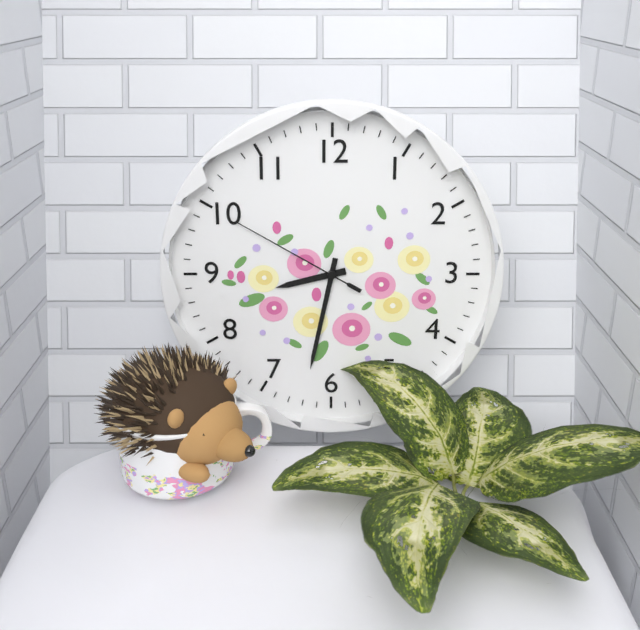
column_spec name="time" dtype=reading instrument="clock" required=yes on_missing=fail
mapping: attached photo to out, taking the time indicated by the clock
8:32:50
